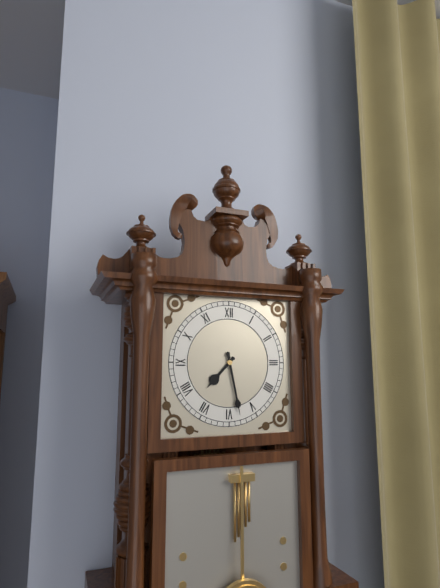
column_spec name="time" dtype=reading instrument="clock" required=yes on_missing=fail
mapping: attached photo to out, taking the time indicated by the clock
7:28
